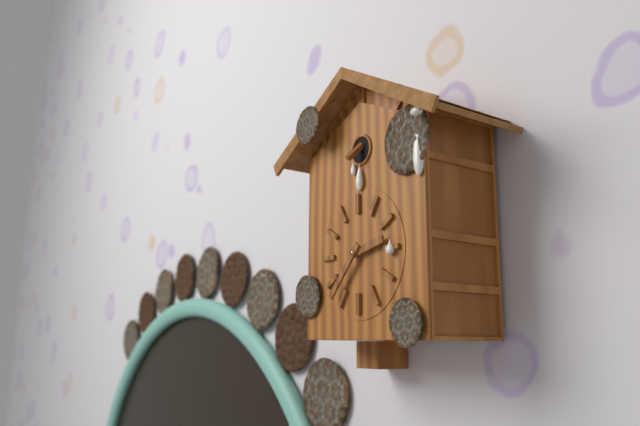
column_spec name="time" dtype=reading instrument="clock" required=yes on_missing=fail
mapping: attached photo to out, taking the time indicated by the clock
2:37
